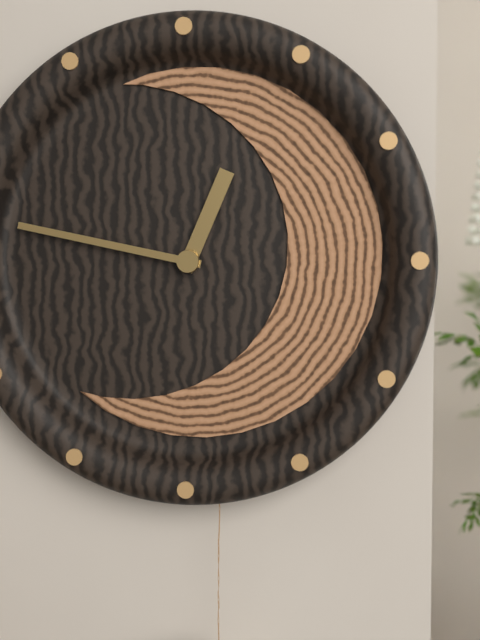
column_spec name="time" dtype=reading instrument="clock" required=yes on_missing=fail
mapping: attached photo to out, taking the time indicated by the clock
12:47
